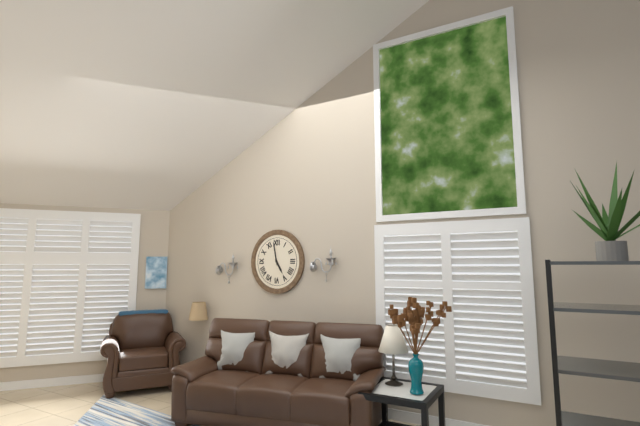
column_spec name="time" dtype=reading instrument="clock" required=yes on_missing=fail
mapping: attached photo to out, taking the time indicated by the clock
4:58
